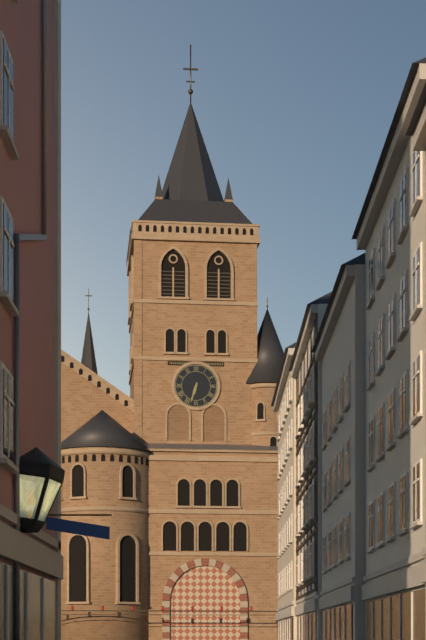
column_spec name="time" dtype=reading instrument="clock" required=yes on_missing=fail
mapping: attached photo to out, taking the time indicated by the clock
6:33
